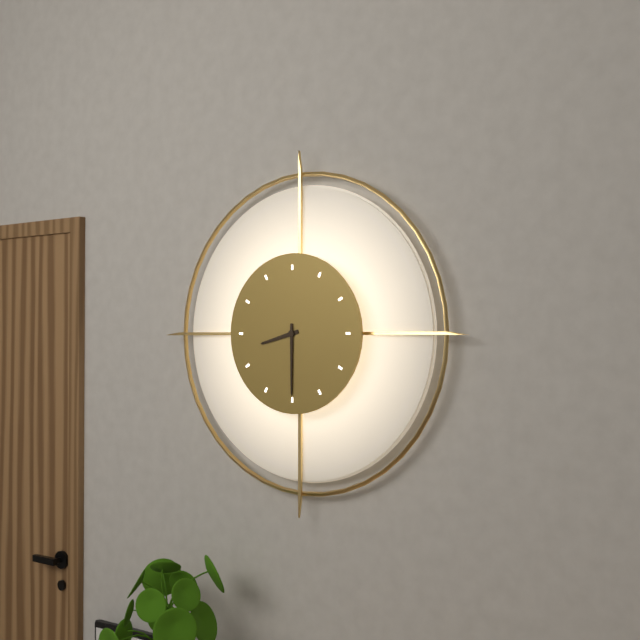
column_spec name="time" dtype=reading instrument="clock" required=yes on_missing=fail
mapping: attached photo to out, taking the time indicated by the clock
8:30
